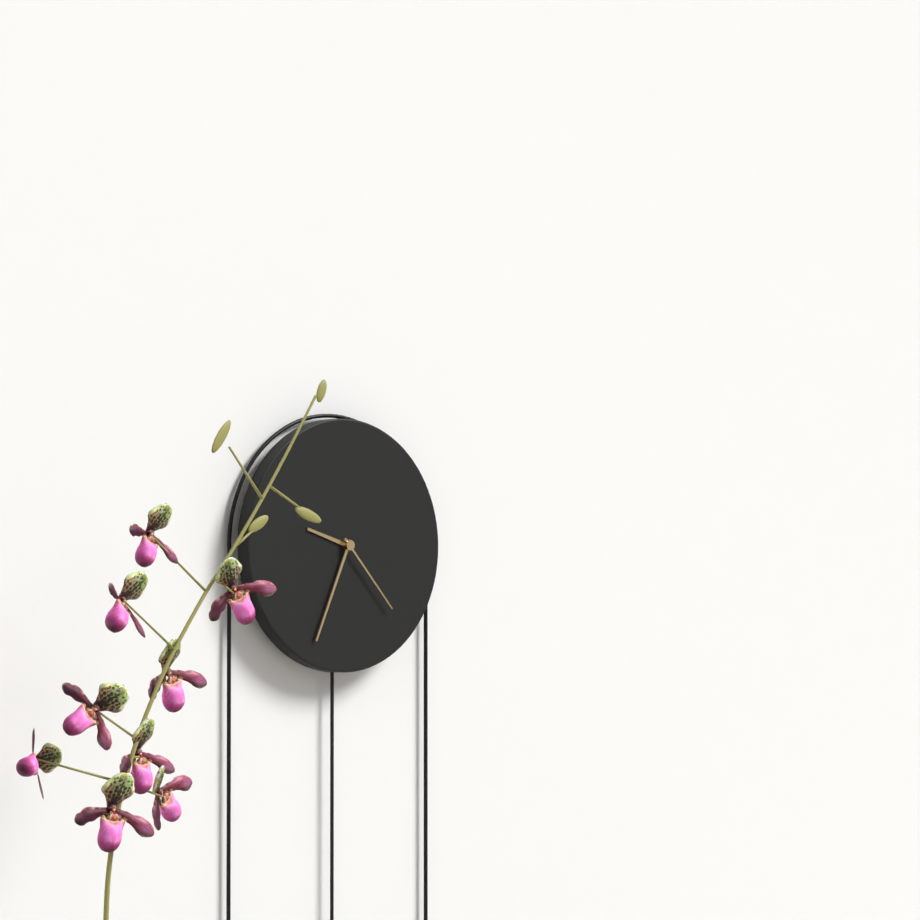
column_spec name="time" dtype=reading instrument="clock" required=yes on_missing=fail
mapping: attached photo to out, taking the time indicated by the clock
9:34:23
